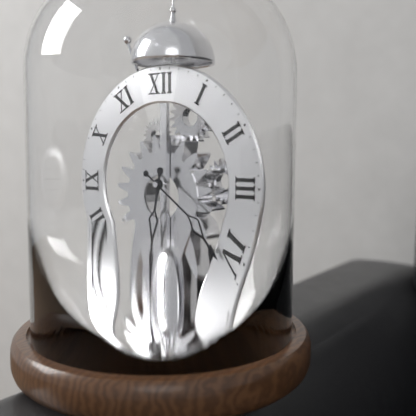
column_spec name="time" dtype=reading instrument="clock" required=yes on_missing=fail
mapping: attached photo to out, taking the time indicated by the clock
6:21
